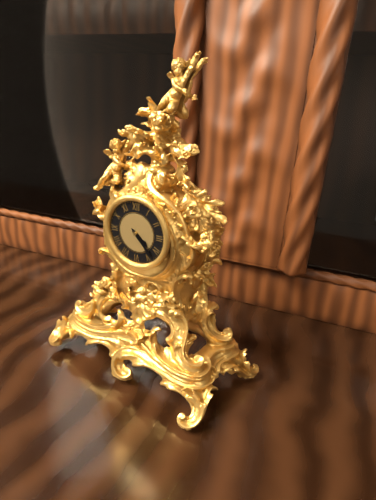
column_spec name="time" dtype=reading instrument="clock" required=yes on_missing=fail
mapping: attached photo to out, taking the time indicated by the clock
4:23
